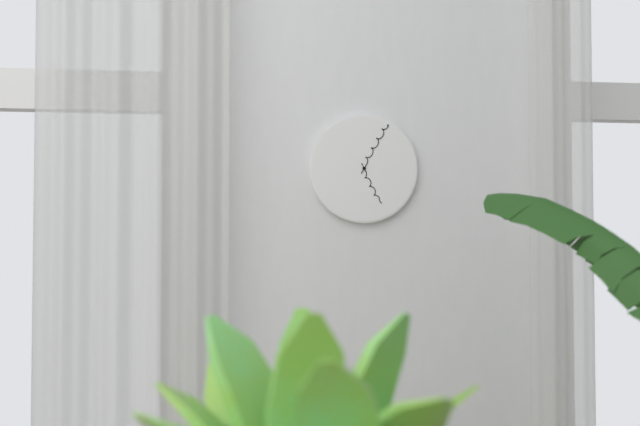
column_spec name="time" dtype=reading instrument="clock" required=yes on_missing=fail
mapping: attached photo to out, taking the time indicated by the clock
5:05
